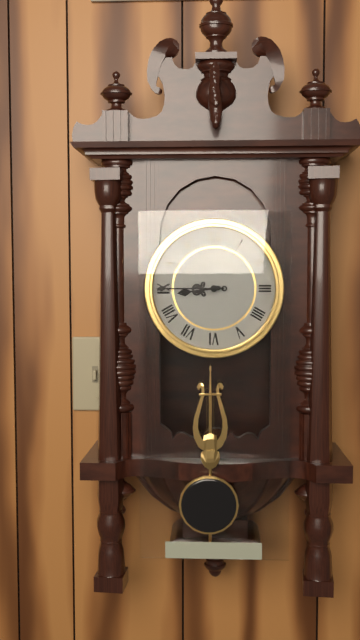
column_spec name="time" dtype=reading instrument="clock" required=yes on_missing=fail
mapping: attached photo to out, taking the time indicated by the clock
8:45
